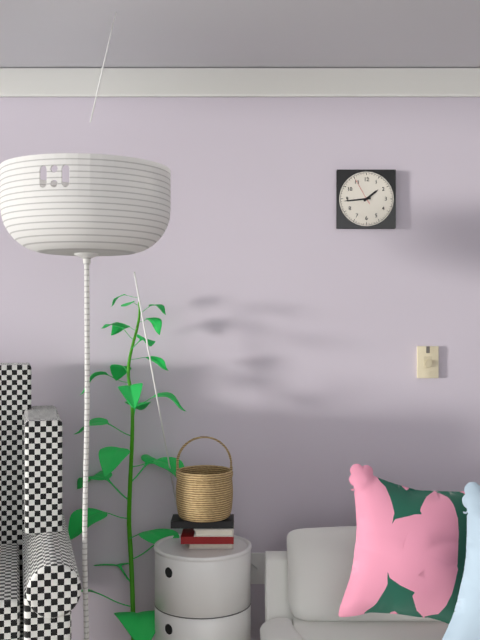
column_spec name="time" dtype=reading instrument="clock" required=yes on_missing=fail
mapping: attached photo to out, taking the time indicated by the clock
1:44
